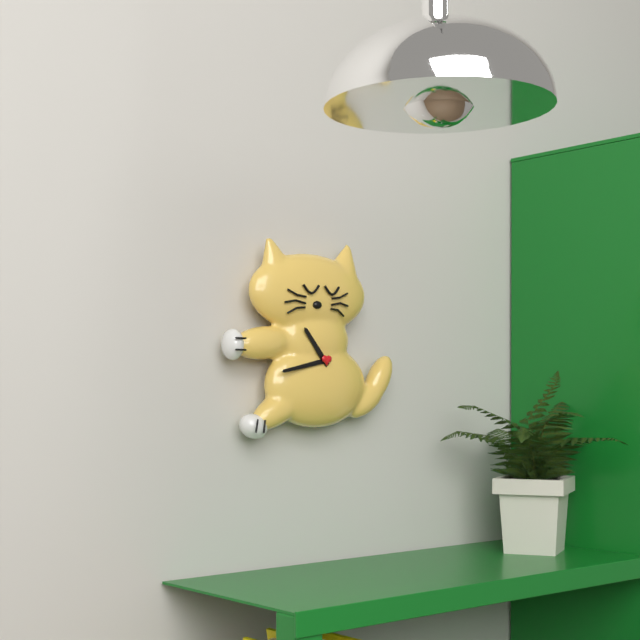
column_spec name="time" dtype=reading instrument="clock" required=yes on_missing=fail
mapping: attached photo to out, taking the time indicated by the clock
10:43
